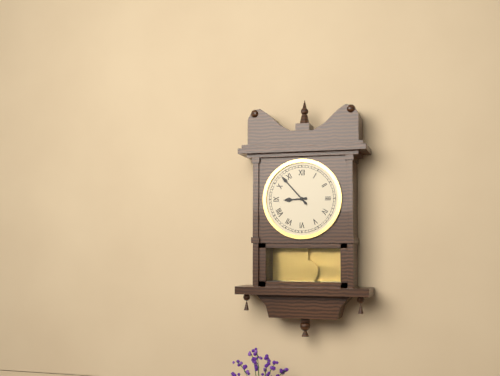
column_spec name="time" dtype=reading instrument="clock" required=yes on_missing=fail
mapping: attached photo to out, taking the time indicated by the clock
8:53
